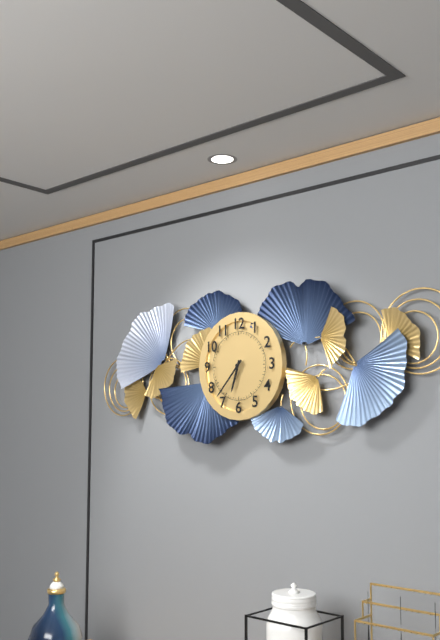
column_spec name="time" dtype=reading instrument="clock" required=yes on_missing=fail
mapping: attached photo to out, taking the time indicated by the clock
6:37
